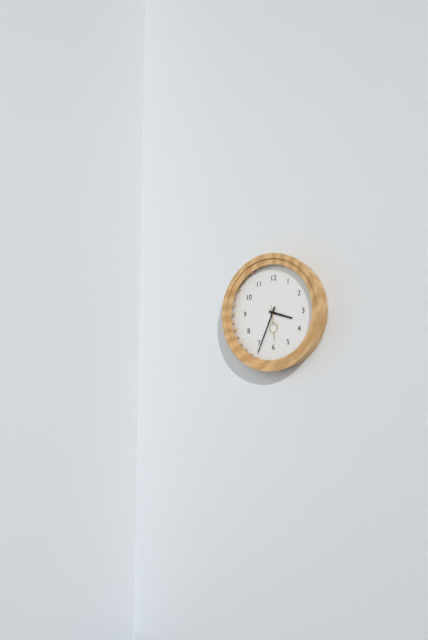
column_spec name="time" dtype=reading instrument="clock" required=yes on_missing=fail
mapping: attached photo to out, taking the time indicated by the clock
3:34
